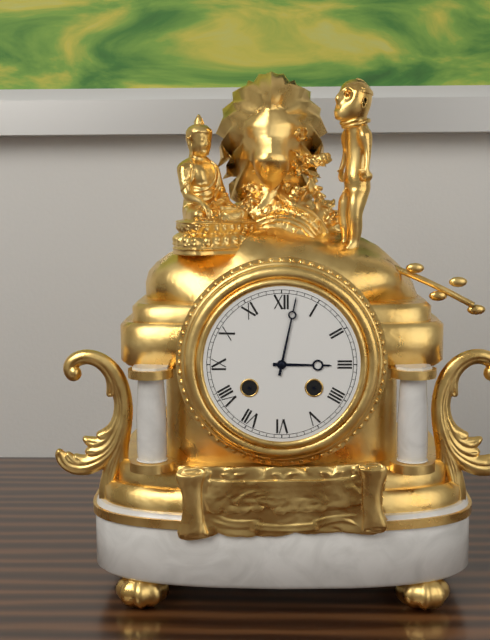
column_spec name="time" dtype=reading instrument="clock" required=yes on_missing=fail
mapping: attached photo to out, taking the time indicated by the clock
3:02
